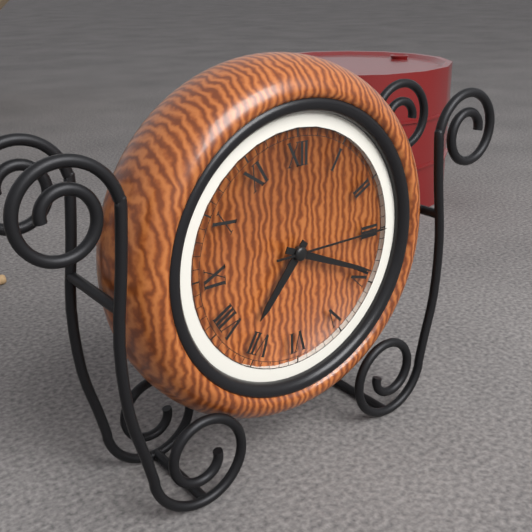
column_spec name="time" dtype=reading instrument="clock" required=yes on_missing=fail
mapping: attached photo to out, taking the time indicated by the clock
7:19:15
